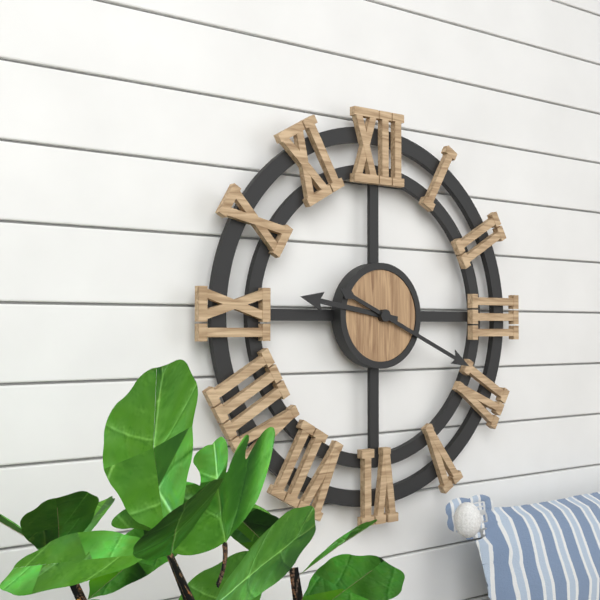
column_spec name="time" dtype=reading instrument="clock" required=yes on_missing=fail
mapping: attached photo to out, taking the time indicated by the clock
9:19
